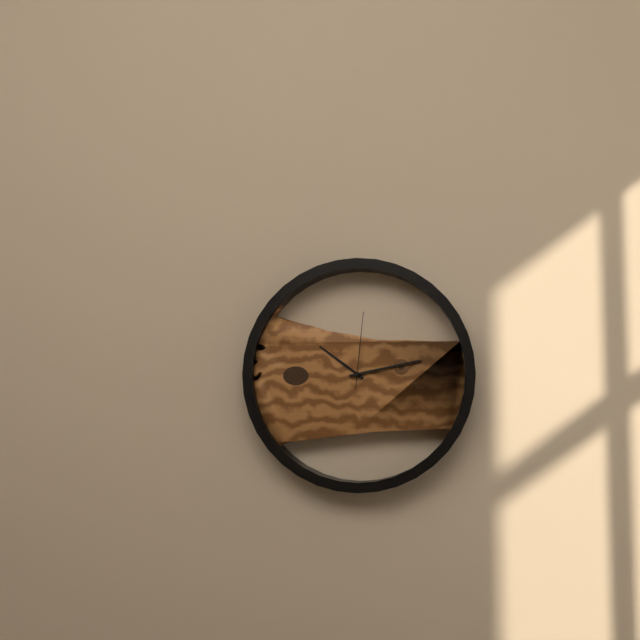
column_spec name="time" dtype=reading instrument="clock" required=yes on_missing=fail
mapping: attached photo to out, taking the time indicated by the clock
10:13:01
